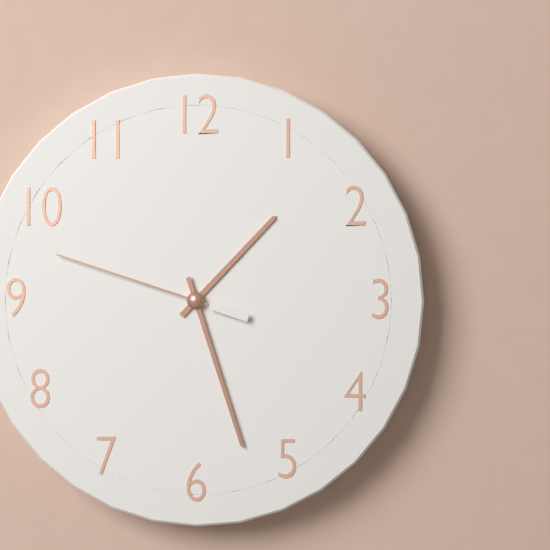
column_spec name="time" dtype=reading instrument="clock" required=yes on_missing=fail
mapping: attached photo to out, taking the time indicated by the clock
1:27:48
